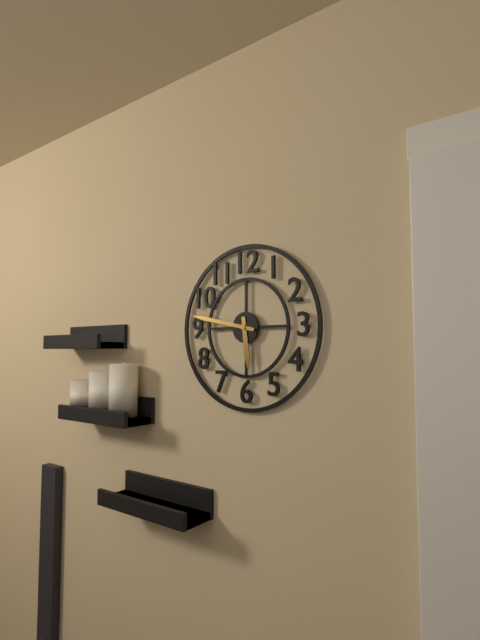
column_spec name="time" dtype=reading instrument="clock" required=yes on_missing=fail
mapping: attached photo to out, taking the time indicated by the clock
5:47
